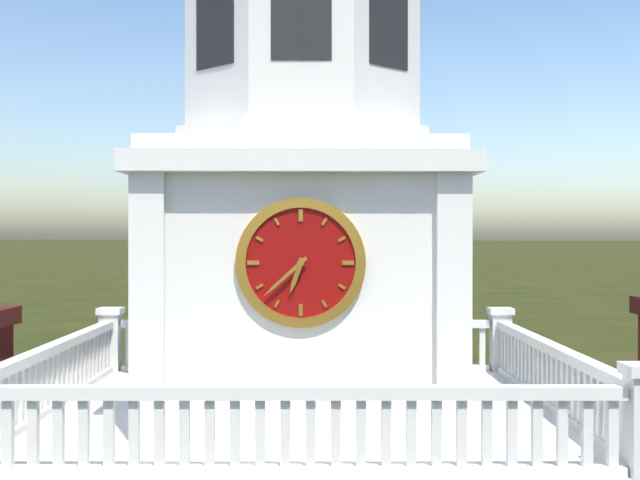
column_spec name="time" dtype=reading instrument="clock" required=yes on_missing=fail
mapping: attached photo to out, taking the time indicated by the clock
6:38
